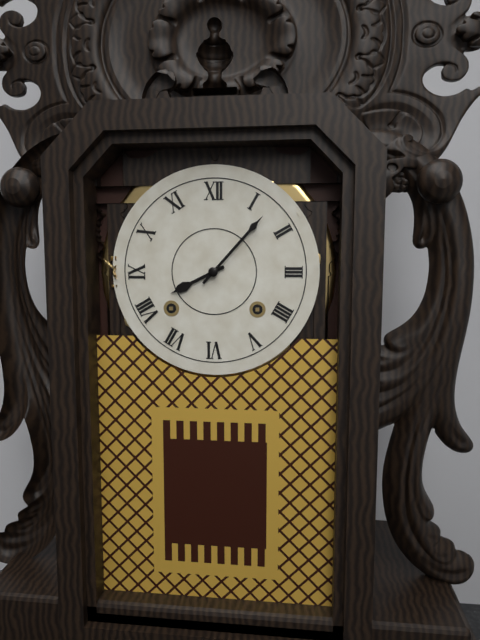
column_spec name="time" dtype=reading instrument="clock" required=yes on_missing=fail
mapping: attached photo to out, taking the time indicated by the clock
8:07
